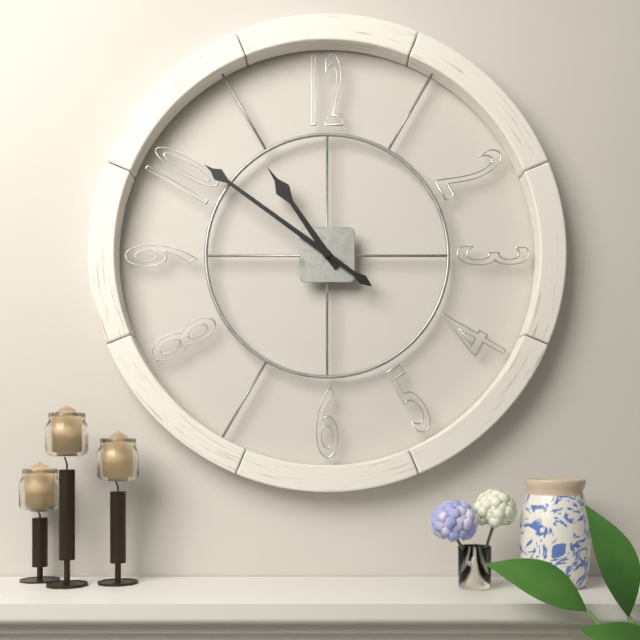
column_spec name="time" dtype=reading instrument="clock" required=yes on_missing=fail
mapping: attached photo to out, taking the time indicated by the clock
10:51
